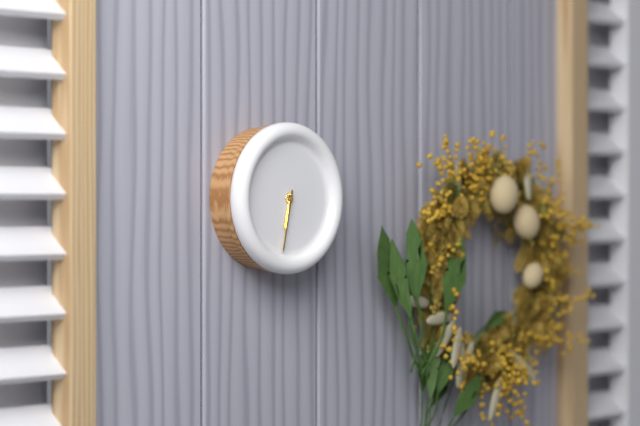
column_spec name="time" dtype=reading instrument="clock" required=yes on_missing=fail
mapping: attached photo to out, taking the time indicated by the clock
6:32
